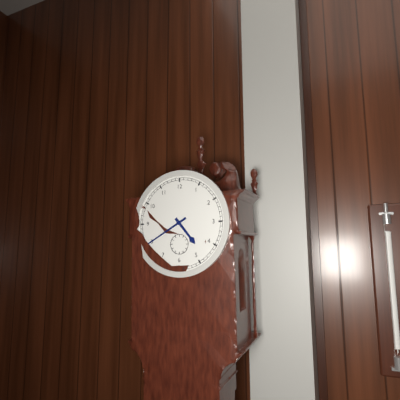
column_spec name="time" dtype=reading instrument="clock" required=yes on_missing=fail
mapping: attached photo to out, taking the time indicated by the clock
4:40
